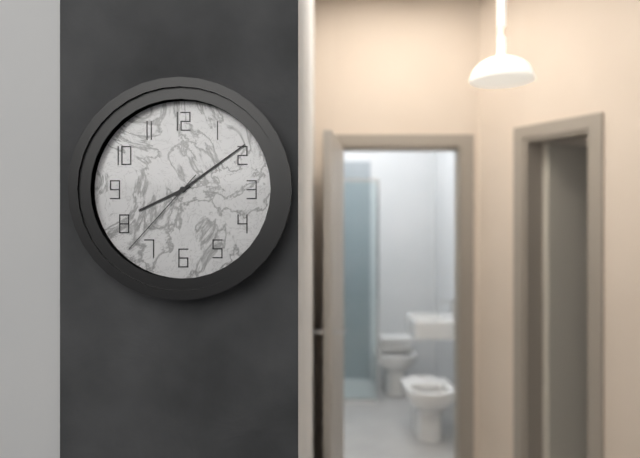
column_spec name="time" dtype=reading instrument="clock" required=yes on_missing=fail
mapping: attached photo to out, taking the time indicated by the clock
8:09:37
